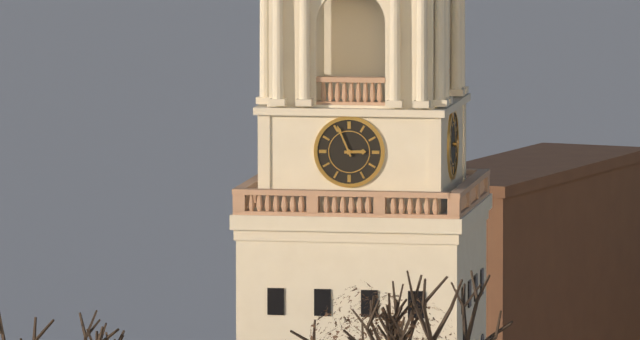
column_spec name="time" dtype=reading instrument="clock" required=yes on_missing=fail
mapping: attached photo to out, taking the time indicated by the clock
2:56
